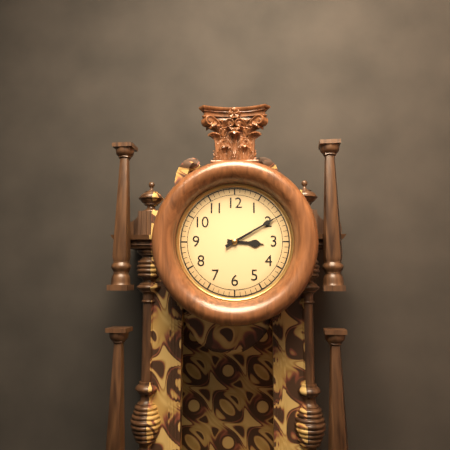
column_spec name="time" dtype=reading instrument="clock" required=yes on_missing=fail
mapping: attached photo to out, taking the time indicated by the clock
3:10
